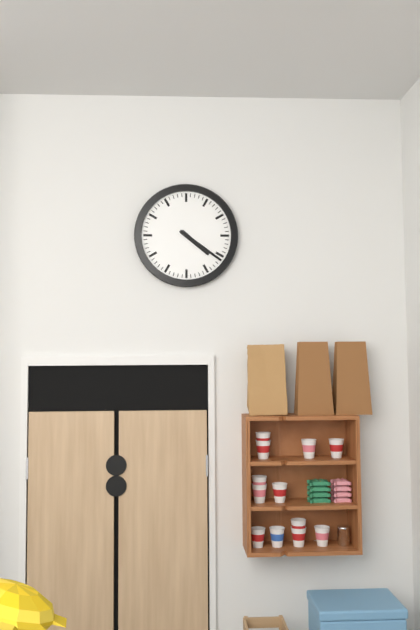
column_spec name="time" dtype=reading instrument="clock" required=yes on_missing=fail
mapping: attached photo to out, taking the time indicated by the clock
4:21
